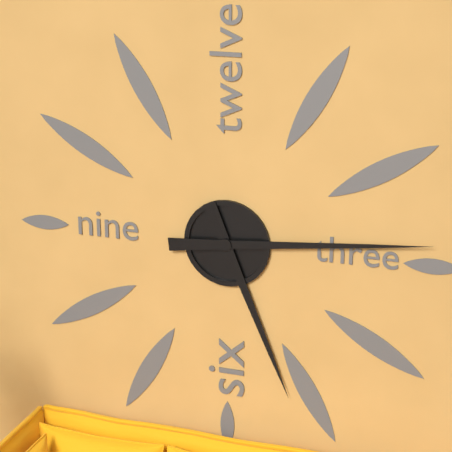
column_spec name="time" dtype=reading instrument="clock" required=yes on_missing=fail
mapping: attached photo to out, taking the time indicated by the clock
5:14
